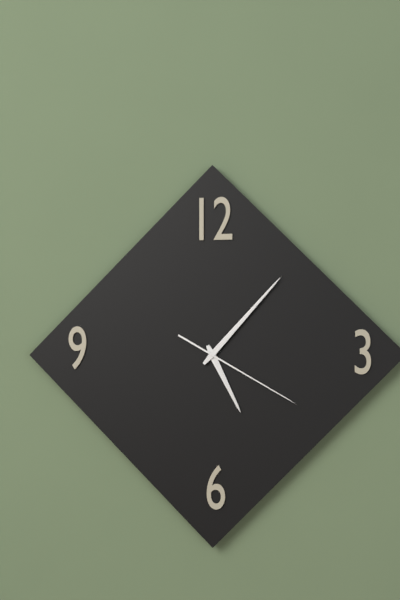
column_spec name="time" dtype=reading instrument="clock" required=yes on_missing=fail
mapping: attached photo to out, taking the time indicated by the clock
5:07:20
